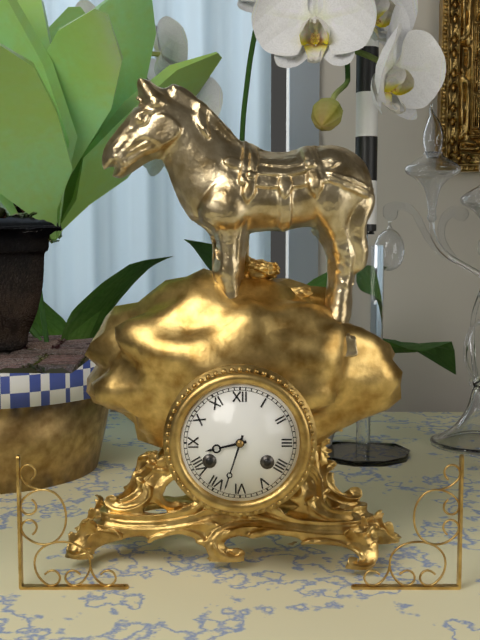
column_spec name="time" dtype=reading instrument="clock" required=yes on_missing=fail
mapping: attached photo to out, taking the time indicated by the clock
8:33
